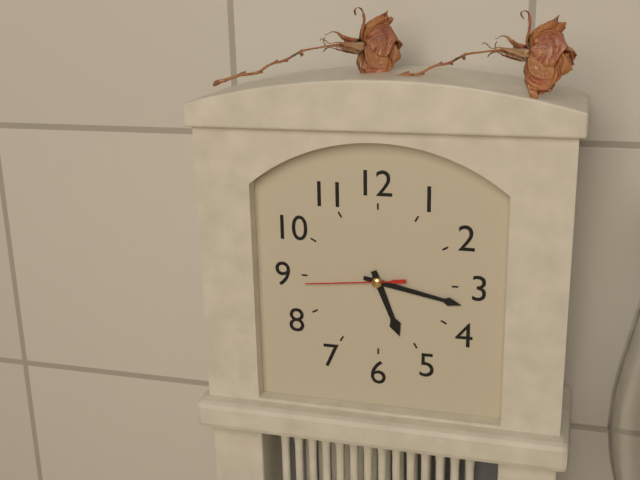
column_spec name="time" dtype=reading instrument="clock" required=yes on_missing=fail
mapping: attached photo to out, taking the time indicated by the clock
5:17:44
